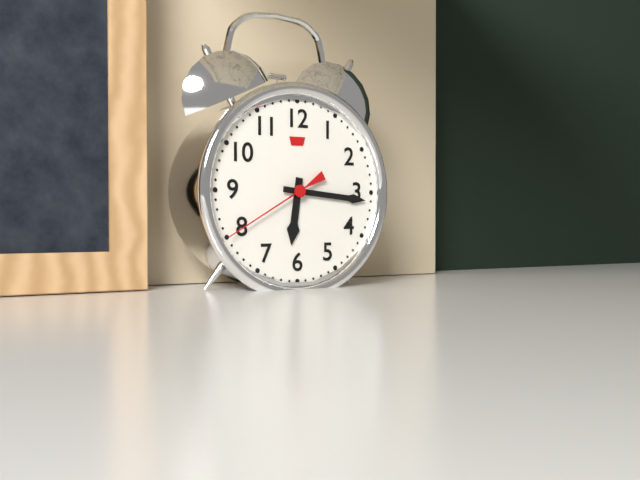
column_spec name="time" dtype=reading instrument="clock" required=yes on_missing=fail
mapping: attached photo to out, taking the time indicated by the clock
6:16:40
